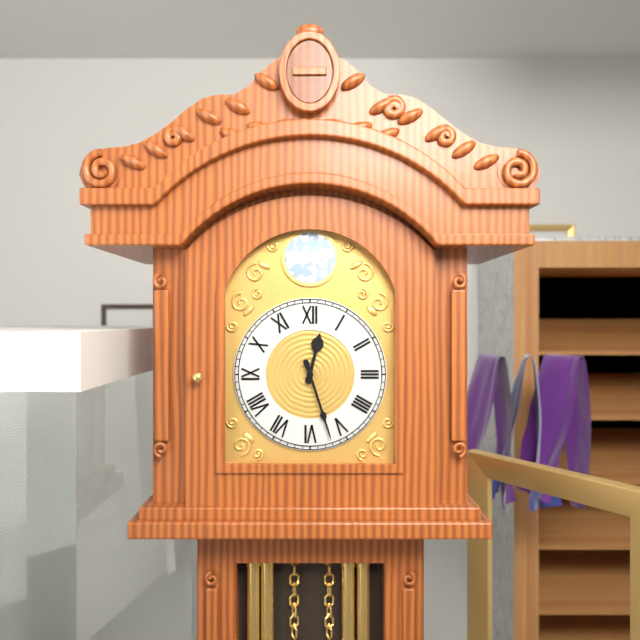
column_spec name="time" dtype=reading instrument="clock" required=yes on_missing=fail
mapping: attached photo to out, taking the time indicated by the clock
12:27
